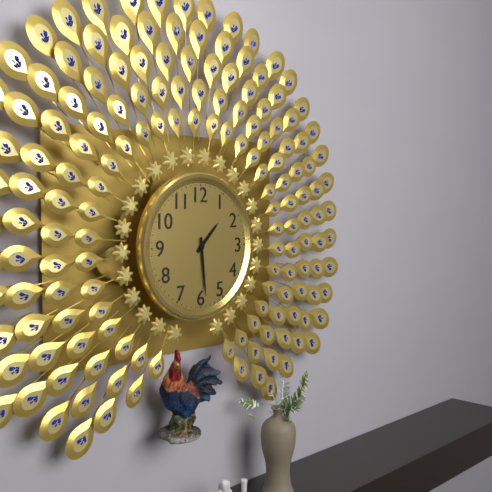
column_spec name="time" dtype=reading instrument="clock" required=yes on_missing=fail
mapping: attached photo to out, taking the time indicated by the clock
1:29
